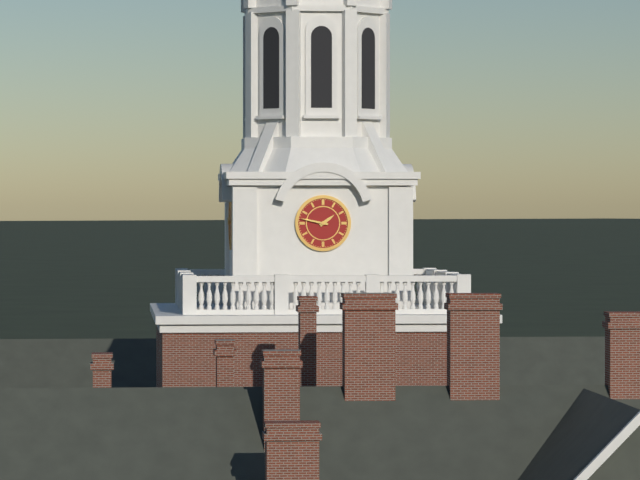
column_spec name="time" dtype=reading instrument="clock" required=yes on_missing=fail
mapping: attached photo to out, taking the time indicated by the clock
1:47
